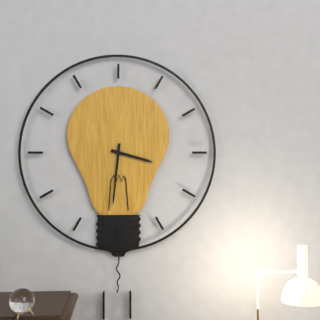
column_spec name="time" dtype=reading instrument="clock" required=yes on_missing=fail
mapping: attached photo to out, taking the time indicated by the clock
3:31
